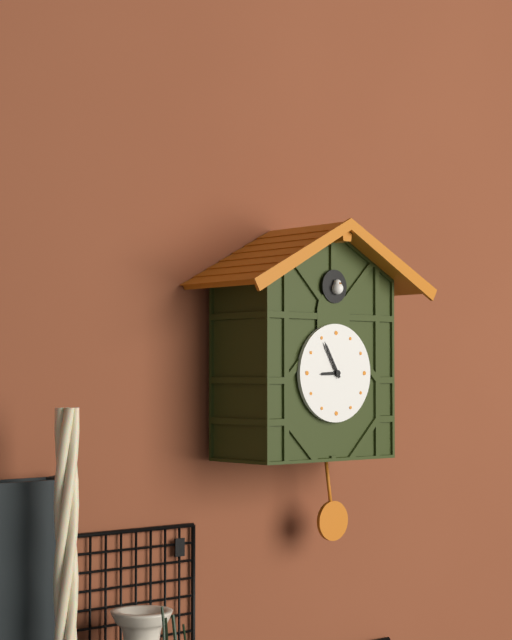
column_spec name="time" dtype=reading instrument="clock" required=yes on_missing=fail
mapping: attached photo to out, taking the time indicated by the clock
8:55
